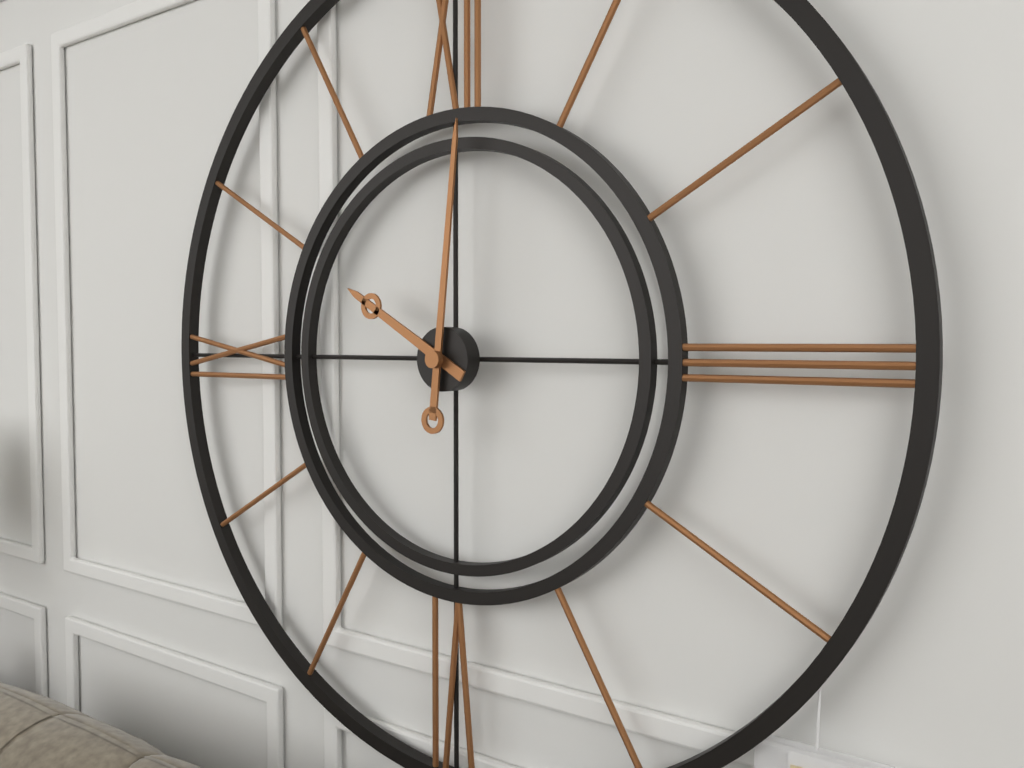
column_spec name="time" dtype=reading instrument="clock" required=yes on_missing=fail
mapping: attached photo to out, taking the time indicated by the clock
10:01
